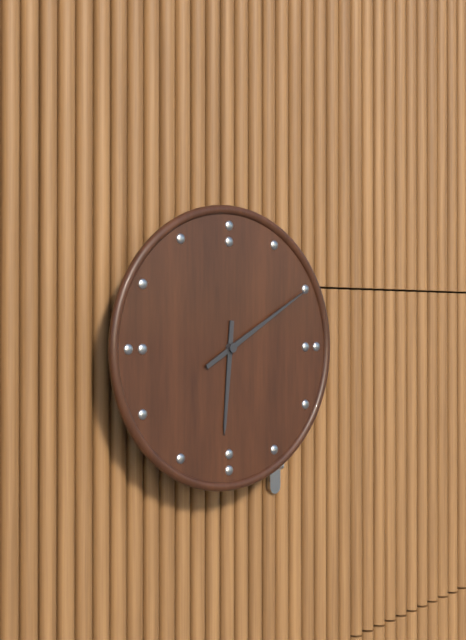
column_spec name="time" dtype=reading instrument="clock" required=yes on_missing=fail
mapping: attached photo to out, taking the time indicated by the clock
6:10
